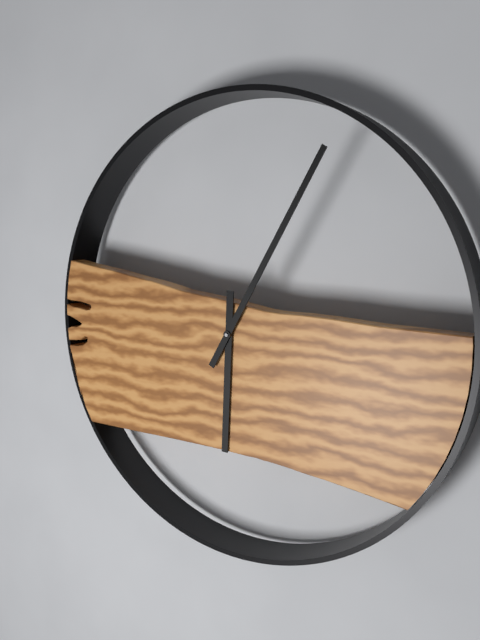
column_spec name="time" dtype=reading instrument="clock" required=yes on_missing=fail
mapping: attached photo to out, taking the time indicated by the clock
6:05
